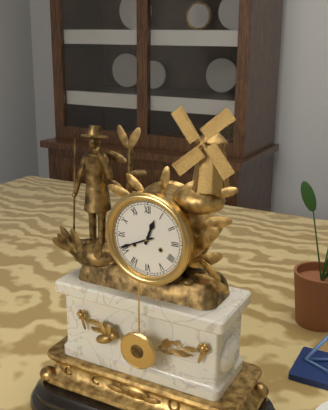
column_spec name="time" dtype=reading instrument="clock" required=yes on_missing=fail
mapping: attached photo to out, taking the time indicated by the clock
12:41
